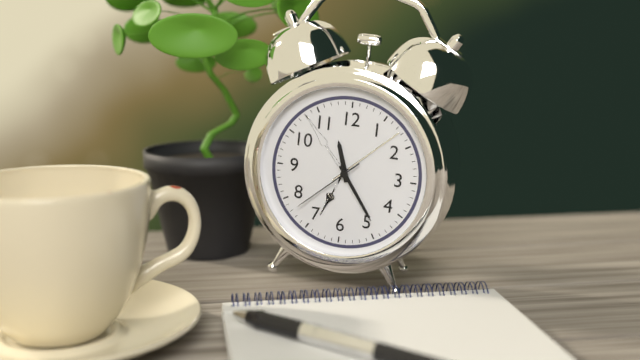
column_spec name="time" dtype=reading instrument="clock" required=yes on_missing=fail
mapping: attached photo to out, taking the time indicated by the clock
11:24:38
